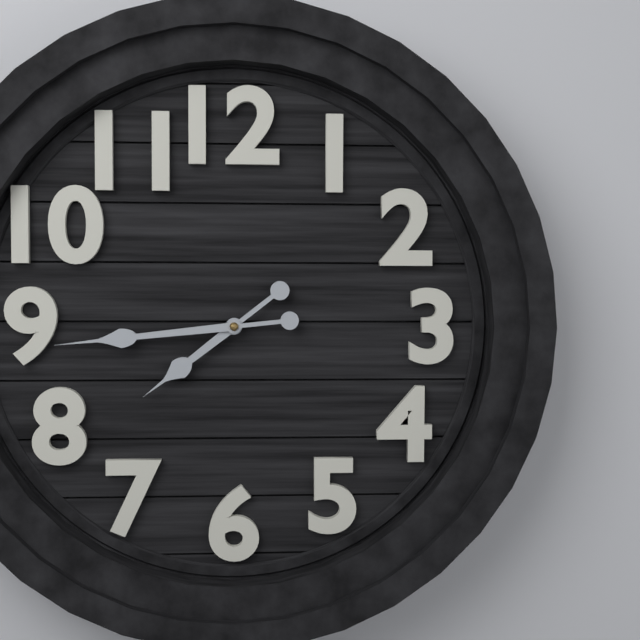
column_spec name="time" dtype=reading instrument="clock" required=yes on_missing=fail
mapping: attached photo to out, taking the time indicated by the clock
7:44
